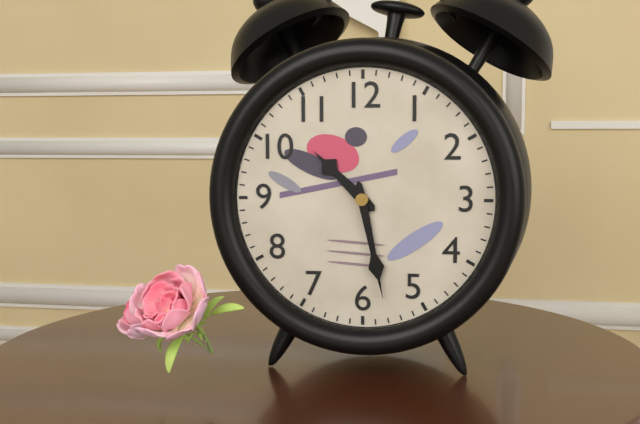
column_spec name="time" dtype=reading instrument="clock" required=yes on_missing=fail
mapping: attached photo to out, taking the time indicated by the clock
10:28
